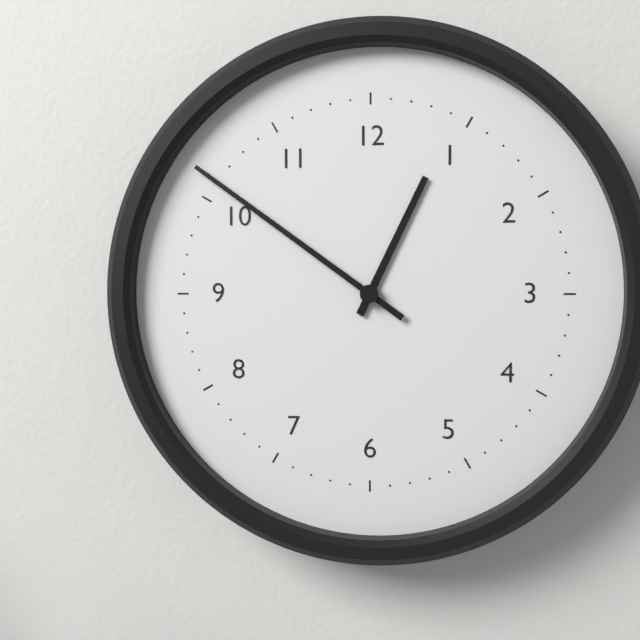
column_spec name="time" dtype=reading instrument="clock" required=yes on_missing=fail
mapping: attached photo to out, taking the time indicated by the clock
12:51
